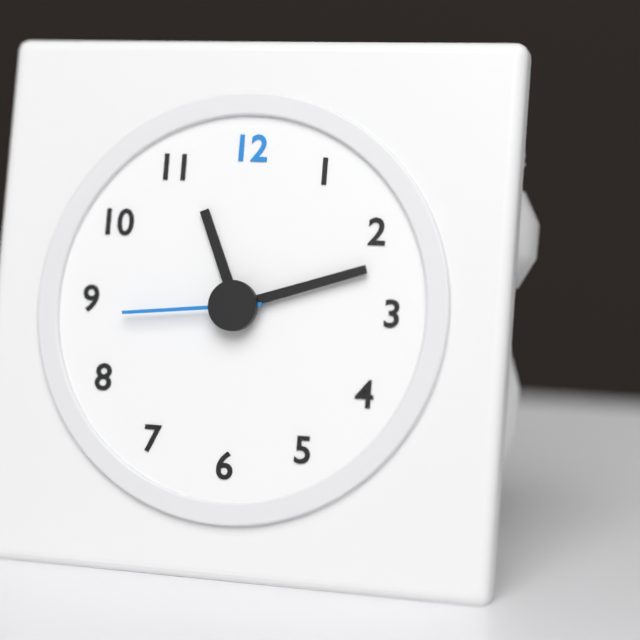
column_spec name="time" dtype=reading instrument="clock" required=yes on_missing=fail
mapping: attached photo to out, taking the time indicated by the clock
11:12:44
